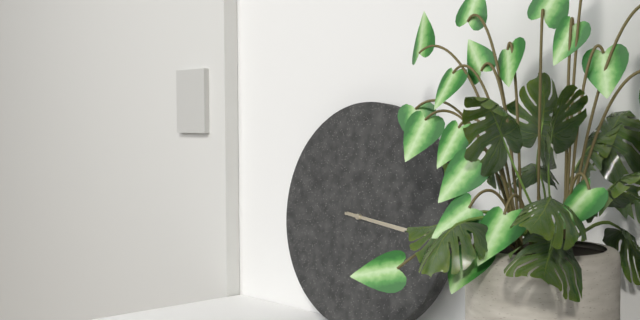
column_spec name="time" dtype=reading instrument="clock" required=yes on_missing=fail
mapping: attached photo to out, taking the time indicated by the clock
3:16
